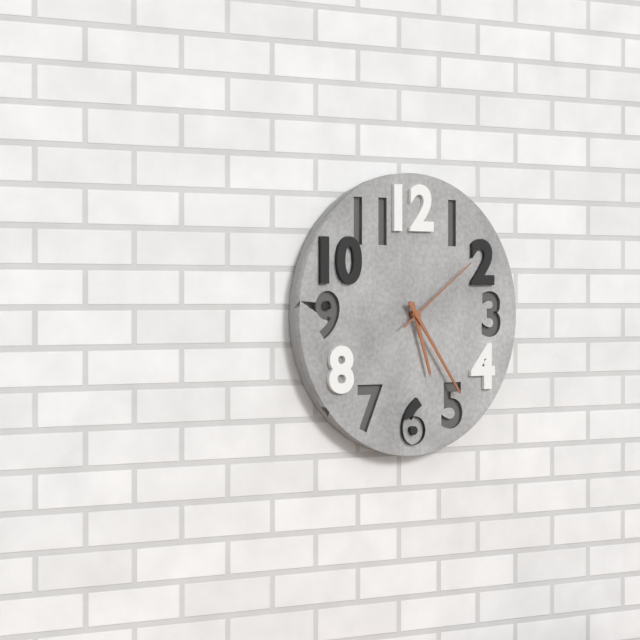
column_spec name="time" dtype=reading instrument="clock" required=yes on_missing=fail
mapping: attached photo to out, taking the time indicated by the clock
5:24:09
